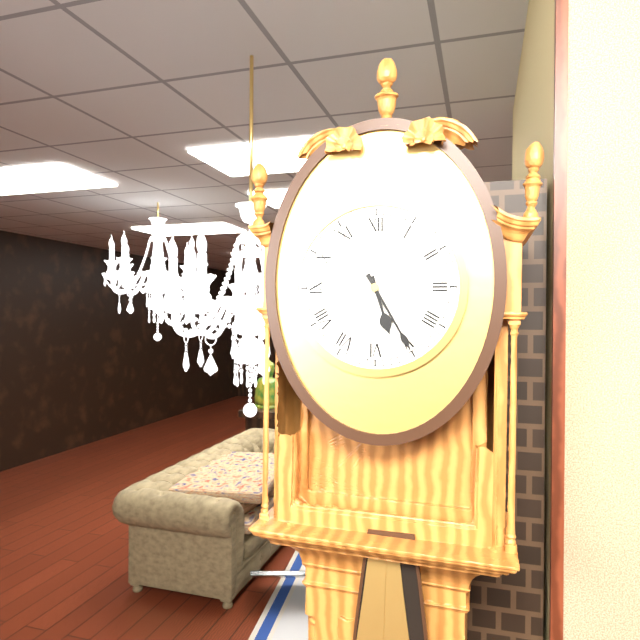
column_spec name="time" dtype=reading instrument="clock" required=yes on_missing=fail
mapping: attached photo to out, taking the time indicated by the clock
5:25
